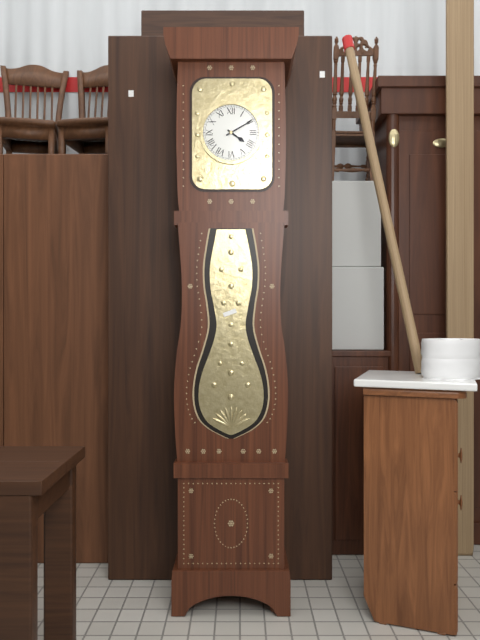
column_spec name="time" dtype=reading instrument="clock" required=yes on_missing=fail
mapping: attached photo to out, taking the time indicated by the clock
4:10
